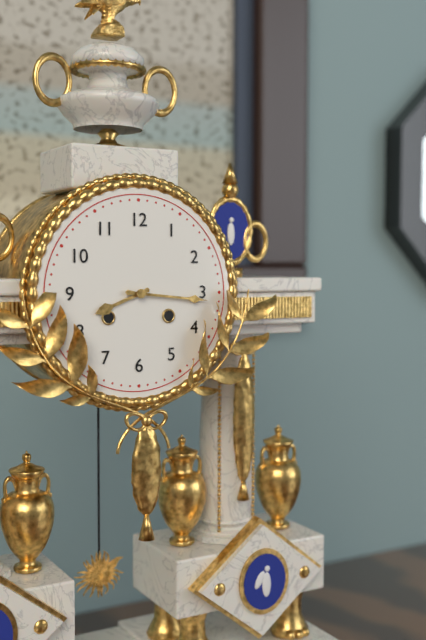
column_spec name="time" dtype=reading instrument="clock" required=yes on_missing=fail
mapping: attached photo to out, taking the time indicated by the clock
8:16
